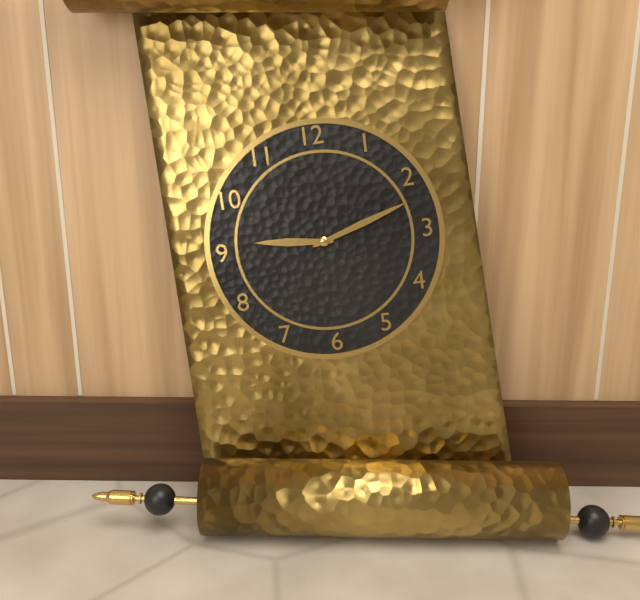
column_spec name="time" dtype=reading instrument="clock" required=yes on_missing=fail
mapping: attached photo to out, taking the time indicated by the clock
9:12
